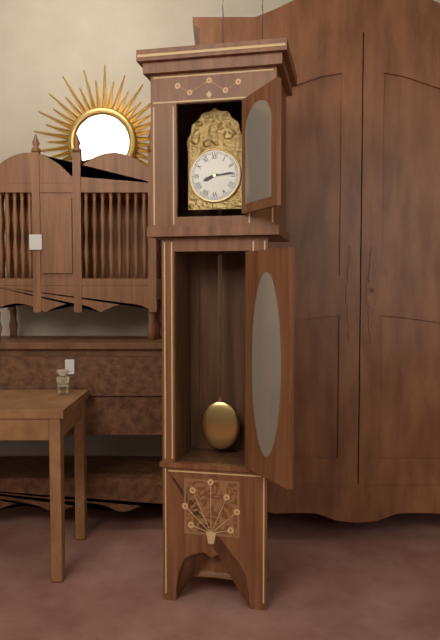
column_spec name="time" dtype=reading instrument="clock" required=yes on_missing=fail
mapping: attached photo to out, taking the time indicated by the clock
8:14
